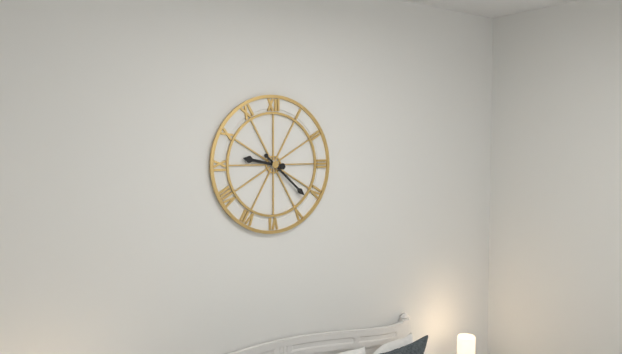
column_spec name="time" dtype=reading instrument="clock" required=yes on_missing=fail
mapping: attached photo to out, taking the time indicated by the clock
9:22
